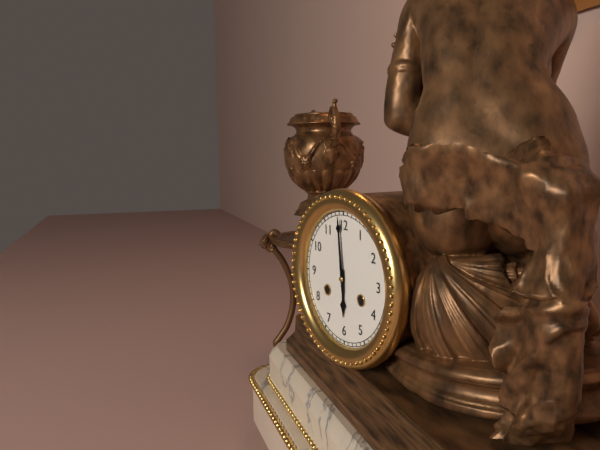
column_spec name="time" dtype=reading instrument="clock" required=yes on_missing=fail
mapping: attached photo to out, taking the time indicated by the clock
5:59
